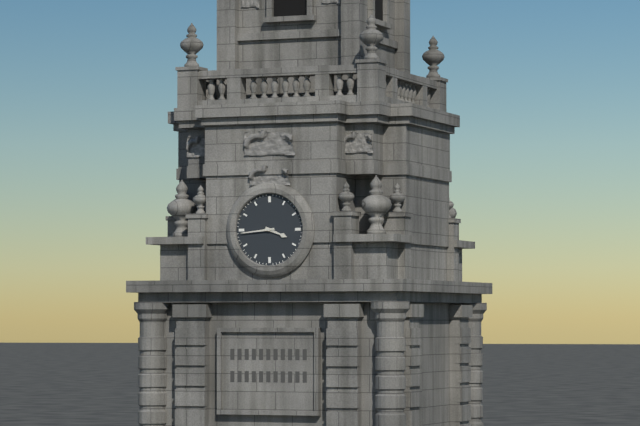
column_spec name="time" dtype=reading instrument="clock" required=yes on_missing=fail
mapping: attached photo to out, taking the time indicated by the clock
3:44
